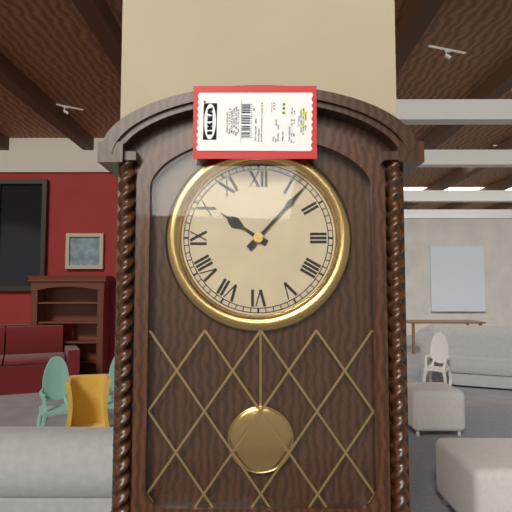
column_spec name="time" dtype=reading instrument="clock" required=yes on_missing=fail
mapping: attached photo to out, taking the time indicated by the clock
10:07
